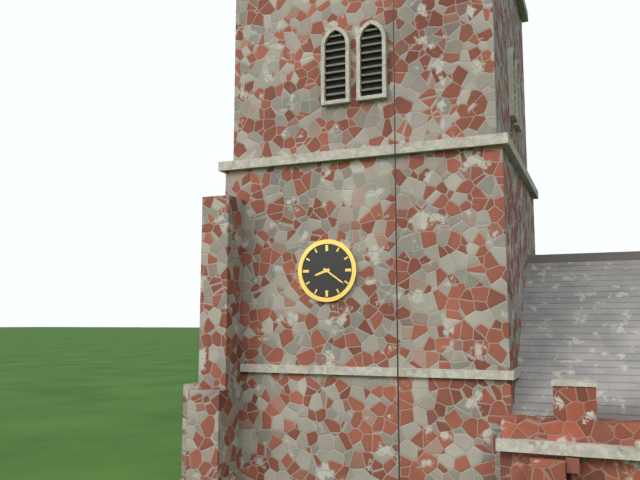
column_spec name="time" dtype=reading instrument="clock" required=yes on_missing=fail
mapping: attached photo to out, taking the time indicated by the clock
8:21
